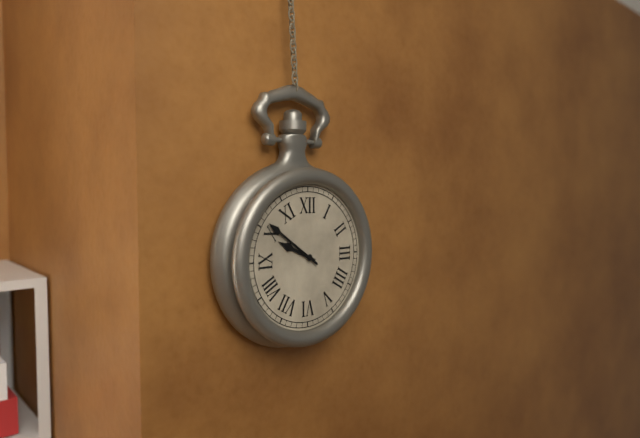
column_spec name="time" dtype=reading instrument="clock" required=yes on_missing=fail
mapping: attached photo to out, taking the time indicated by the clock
9:51
